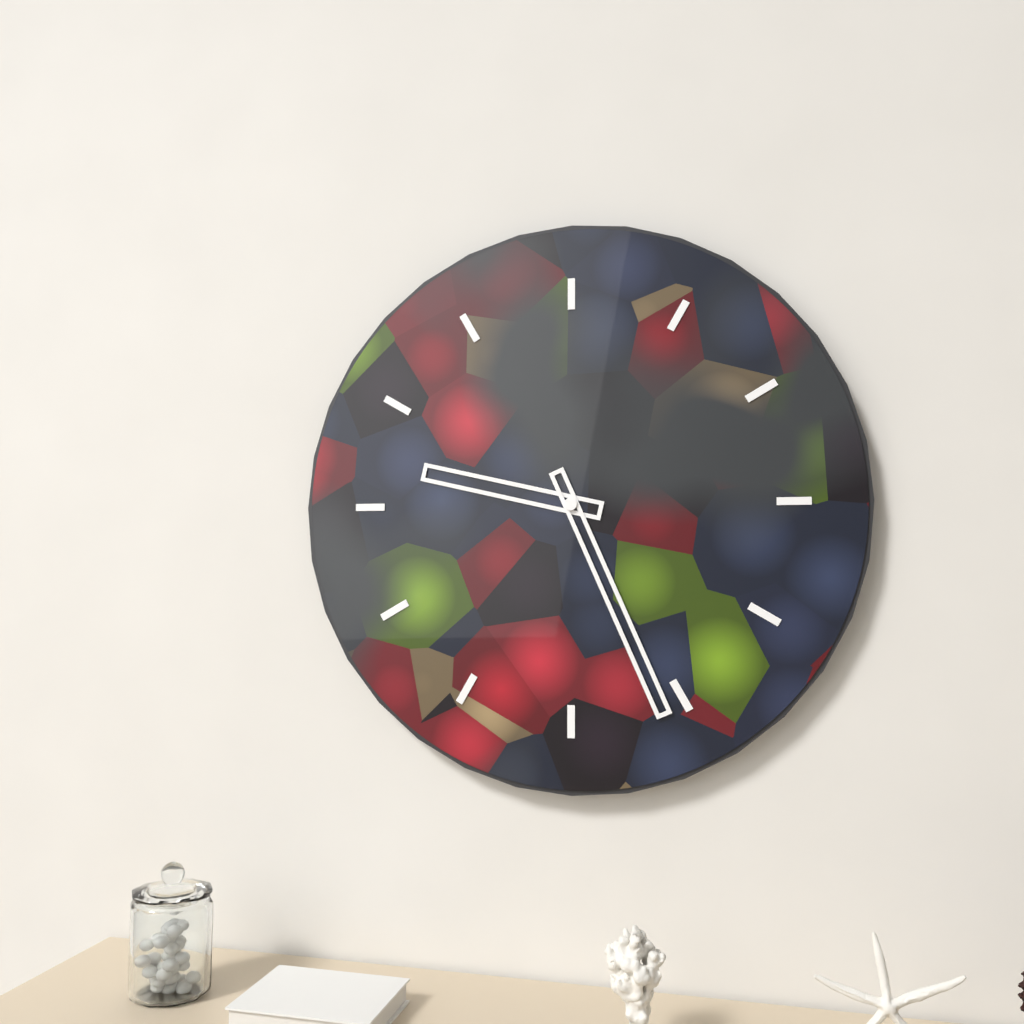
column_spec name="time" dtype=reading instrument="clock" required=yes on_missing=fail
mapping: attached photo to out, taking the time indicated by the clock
9:26
